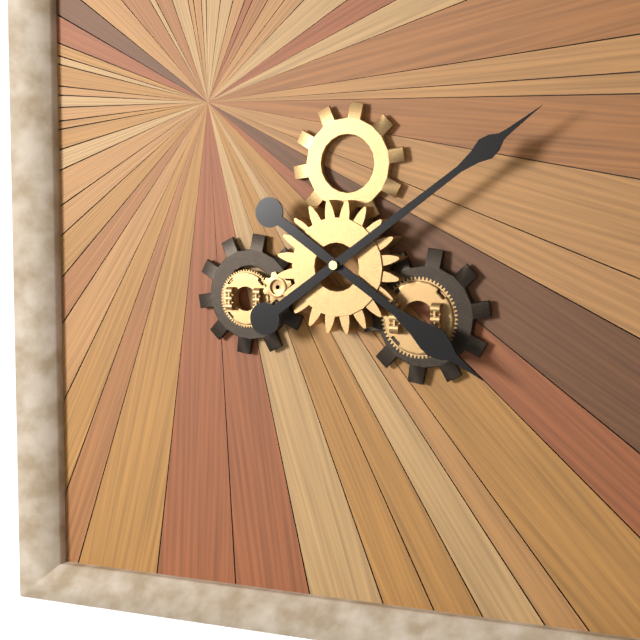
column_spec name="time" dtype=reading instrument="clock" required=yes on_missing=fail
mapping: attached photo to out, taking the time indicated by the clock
4:09
